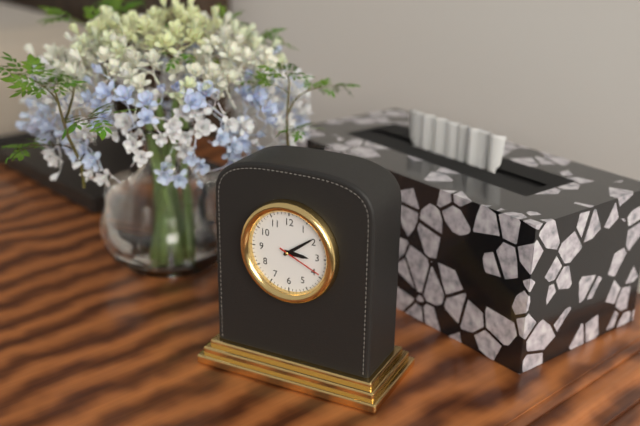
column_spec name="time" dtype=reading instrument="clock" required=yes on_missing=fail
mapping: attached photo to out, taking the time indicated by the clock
3:09
